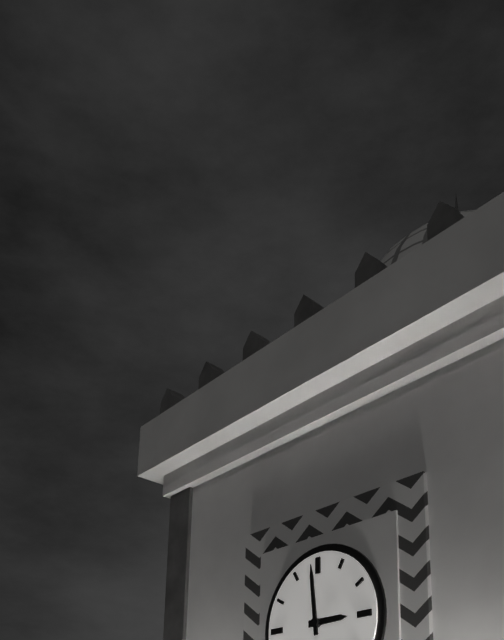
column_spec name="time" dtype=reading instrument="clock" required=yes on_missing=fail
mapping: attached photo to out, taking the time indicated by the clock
2:59
